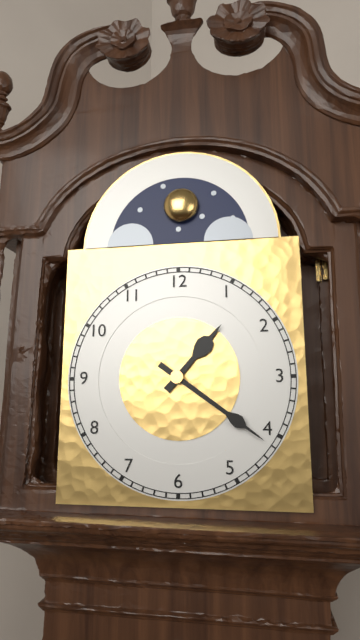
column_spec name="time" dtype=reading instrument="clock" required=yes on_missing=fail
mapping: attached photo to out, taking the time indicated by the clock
1:21
